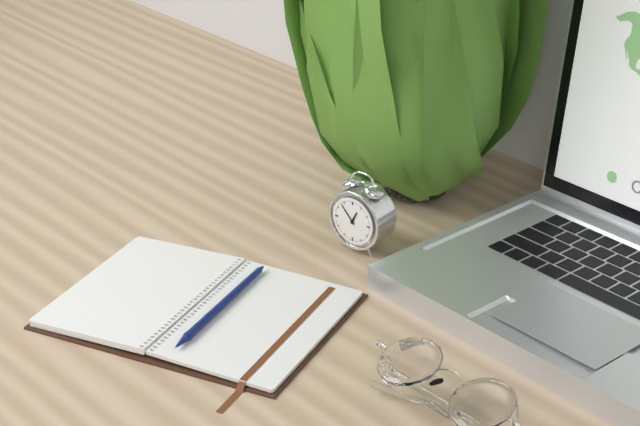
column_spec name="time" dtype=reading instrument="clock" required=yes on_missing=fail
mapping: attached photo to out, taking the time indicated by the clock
12:53
